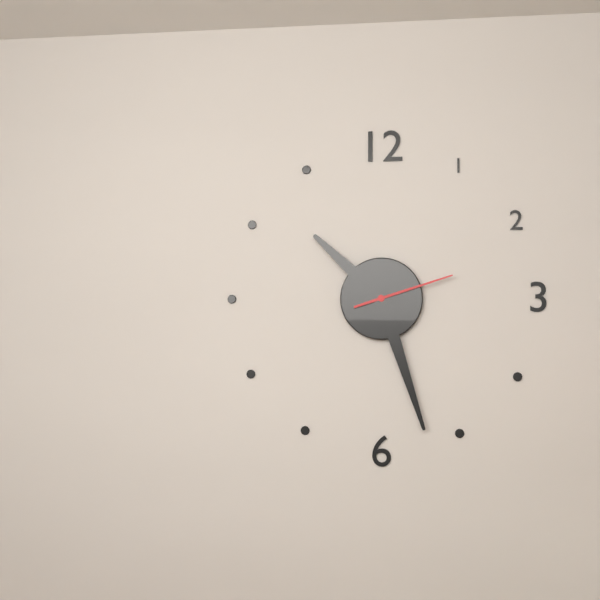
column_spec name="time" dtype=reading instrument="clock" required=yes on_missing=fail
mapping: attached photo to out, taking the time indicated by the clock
10:27:12
